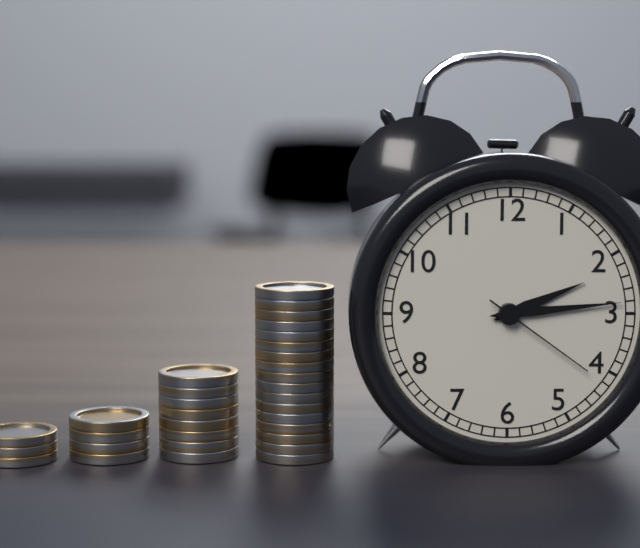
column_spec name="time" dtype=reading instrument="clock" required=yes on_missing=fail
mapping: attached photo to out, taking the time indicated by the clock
2:14:21
